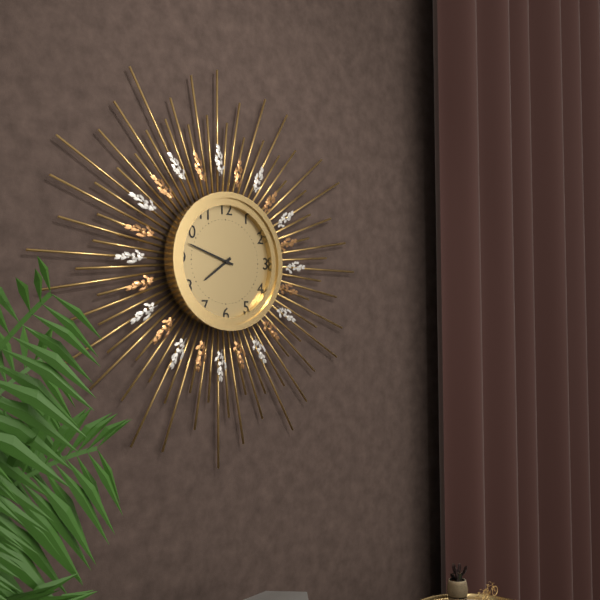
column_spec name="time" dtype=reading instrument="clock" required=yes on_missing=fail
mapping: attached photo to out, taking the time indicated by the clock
7:48
